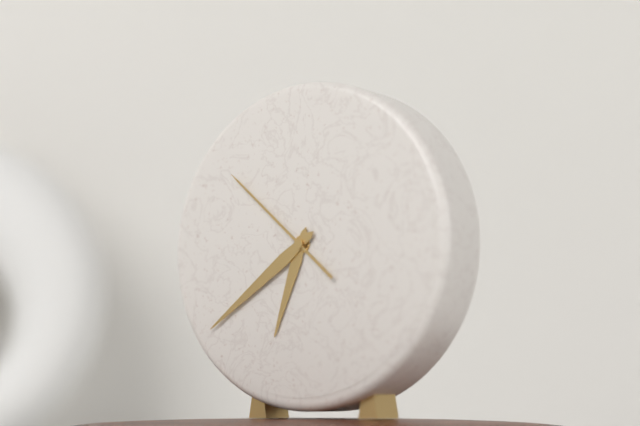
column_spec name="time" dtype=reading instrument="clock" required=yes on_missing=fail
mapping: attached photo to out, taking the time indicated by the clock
6:39:52
